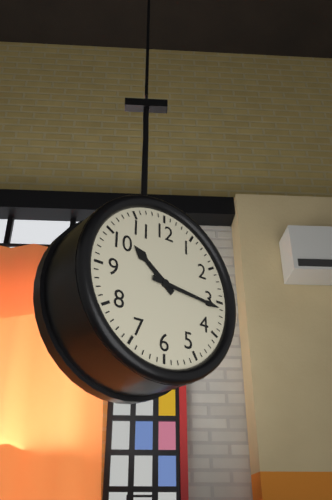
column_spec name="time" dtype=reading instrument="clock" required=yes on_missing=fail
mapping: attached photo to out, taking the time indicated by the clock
10:16
